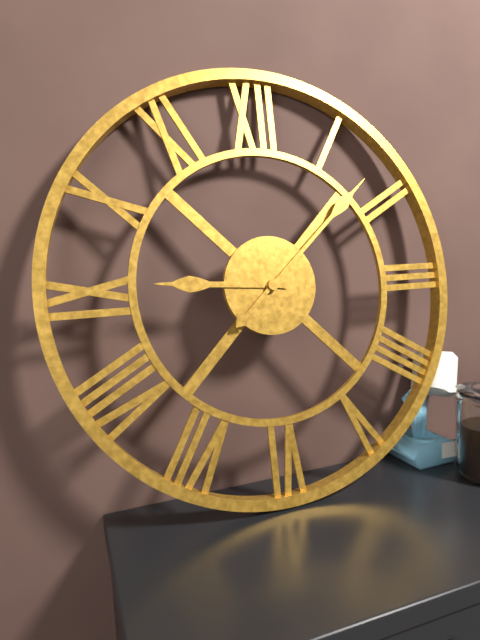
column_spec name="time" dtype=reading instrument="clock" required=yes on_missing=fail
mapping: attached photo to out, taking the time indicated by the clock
9:08
